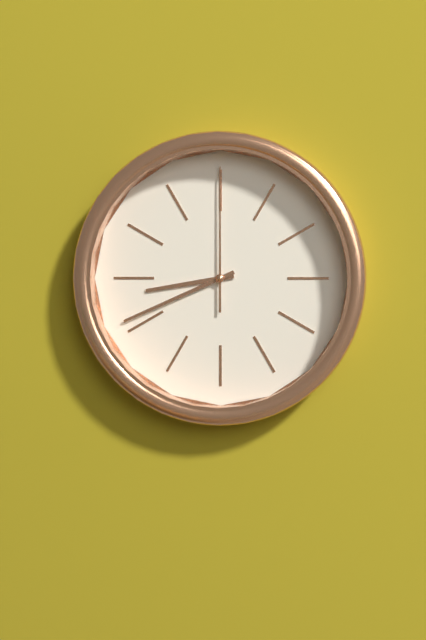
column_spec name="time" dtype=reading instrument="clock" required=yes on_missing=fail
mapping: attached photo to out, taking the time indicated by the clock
8:41:00
